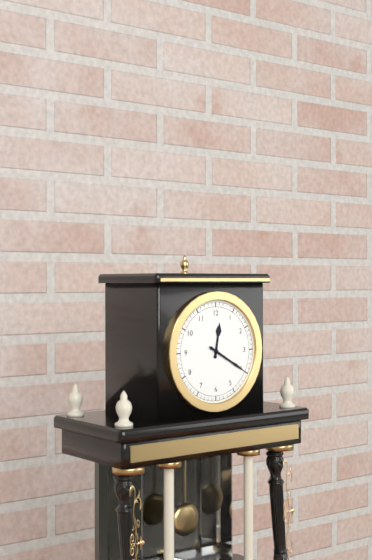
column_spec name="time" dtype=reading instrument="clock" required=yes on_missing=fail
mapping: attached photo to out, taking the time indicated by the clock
12:20
